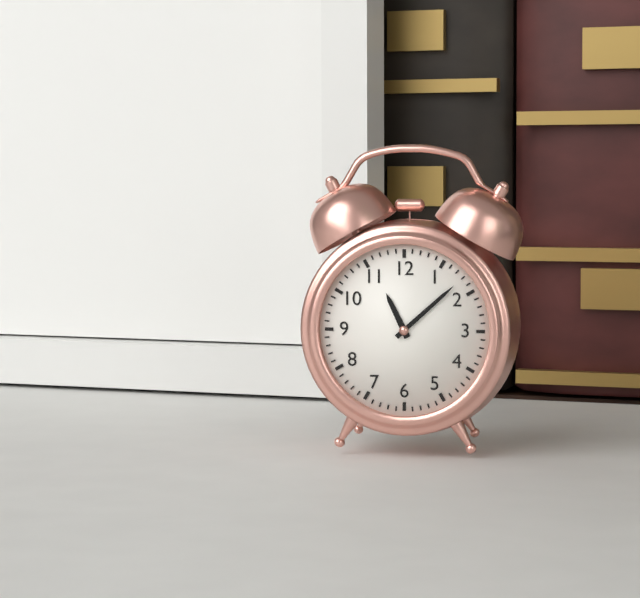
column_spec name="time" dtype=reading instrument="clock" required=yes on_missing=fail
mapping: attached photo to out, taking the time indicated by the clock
11:08
